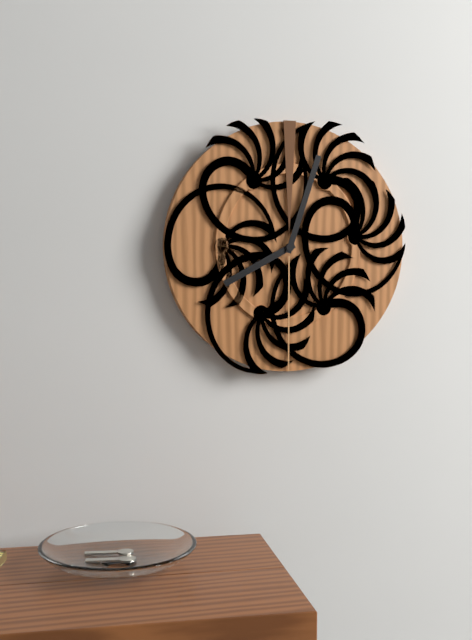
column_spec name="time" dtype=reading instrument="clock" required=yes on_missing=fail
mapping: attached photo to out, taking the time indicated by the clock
8:03
